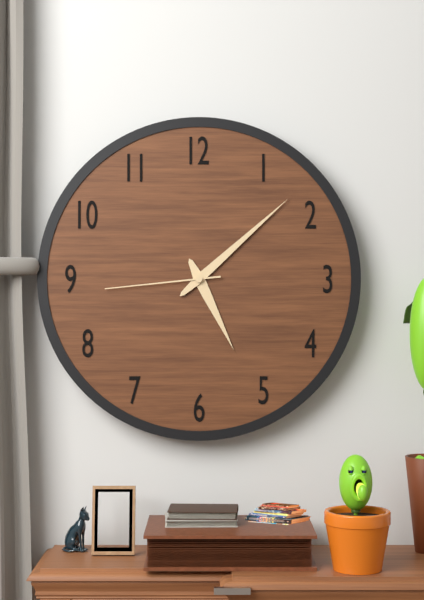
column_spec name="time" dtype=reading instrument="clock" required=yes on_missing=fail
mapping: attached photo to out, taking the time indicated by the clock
5:08:44
